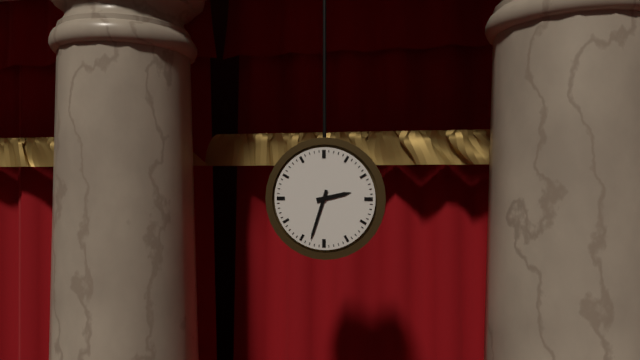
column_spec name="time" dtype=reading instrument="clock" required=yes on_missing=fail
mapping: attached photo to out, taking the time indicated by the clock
2:33
